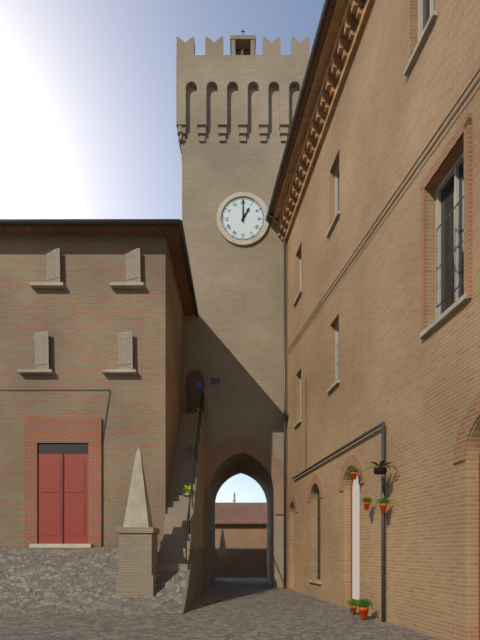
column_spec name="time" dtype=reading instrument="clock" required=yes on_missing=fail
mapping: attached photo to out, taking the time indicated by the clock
1:00
